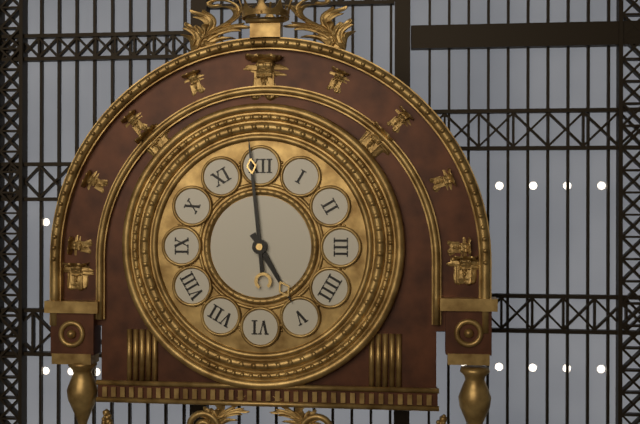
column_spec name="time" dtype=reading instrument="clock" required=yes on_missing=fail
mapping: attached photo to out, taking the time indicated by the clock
4:59
